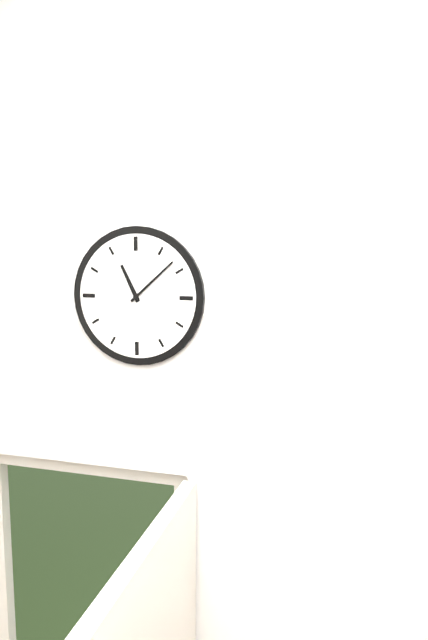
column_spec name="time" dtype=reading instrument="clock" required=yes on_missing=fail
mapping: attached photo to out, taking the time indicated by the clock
11:08
